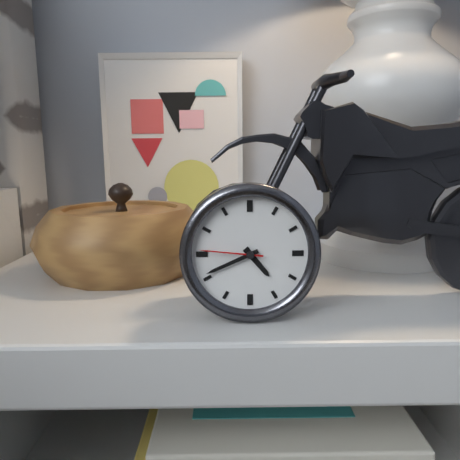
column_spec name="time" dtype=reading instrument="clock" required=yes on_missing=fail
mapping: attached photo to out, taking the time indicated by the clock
4:41:46
